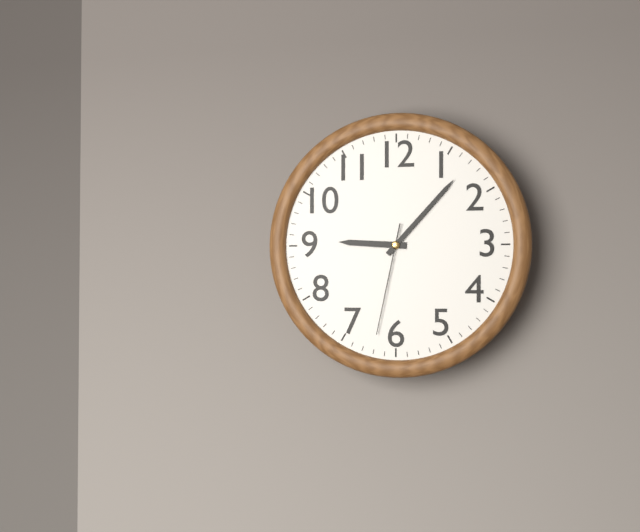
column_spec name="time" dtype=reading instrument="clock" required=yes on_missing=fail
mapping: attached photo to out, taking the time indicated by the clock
9:07:32
